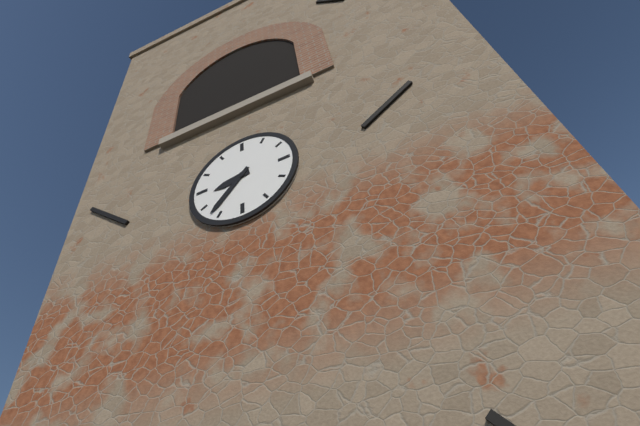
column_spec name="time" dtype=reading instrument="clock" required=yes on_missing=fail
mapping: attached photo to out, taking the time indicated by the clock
8:37
